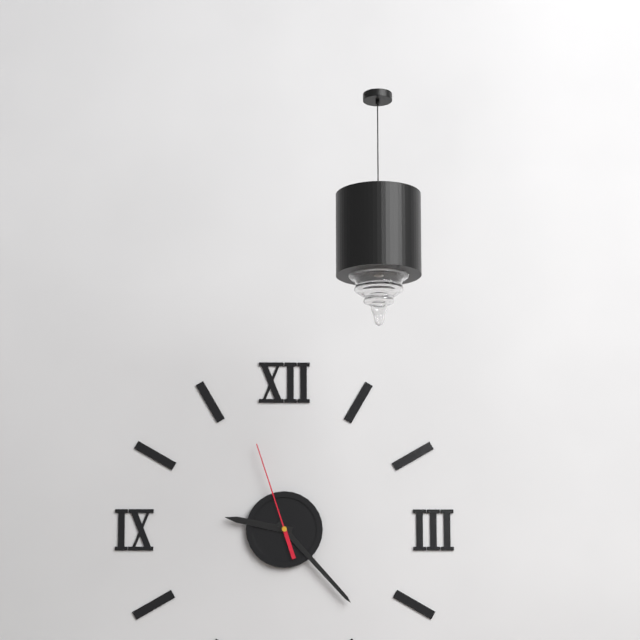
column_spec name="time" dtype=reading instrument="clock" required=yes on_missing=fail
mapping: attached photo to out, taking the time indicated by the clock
9:23:57
